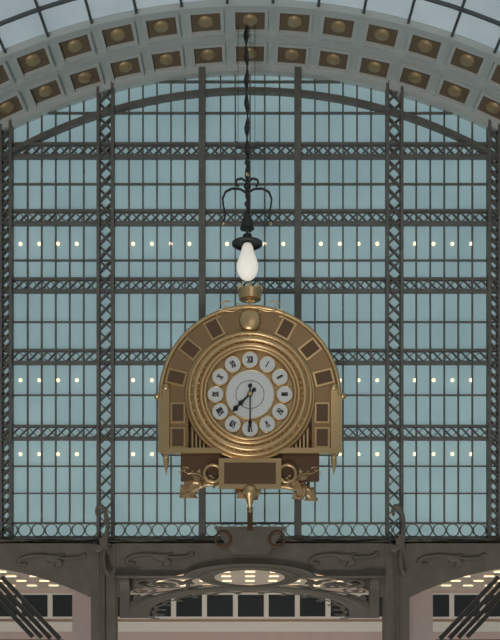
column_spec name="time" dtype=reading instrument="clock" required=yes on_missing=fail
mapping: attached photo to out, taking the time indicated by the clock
7:30
